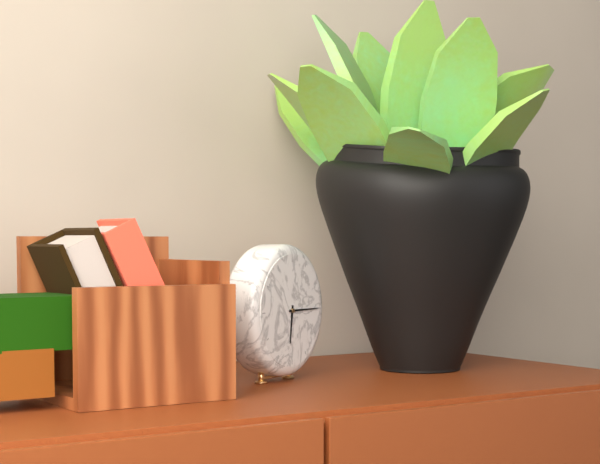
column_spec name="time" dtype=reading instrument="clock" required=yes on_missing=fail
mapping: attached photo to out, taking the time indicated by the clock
6:15
